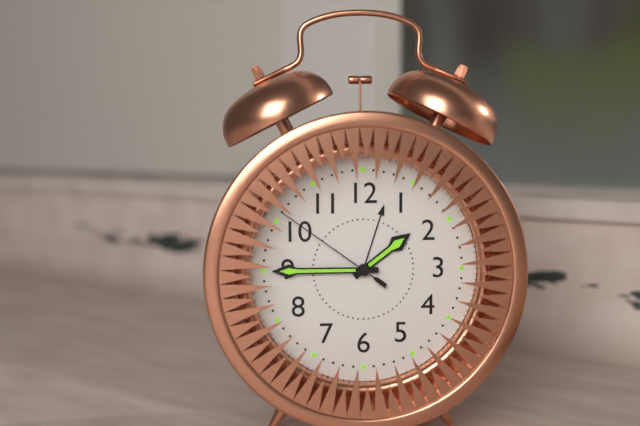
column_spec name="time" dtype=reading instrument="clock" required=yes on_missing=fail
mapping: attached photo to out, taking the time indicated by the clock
1:45:51
